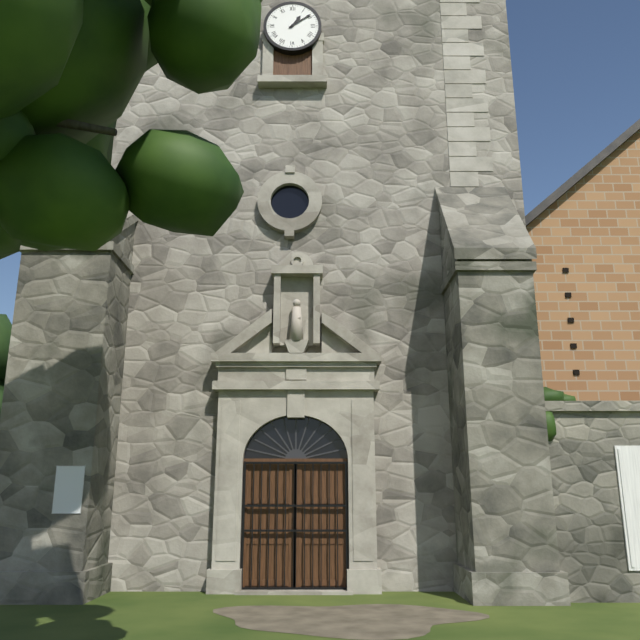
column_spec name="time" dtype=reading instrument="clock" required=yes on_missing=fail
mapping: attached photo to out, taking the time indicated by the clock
1:09
